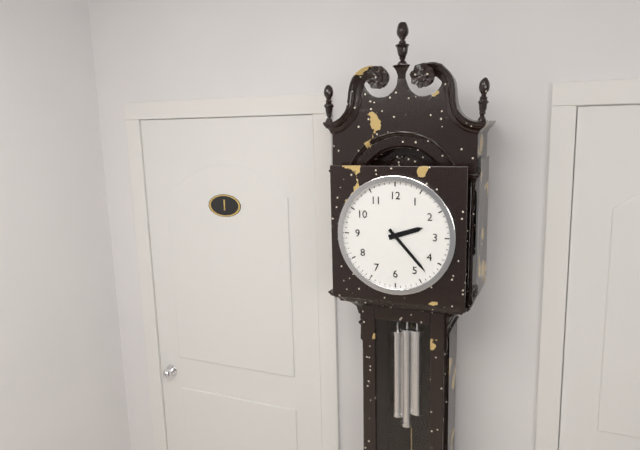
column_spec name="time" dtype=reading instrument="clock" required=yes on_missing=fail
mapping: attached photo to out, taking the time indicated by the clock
2:23
